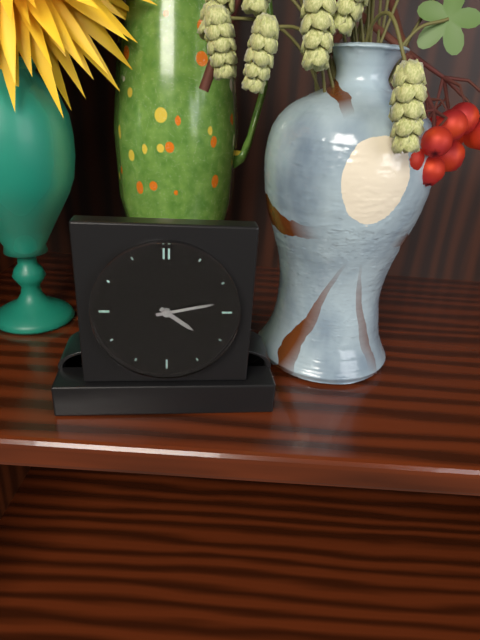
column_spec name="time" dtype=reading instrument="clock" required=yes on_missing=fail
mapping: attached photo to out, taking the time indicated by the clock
4:13
